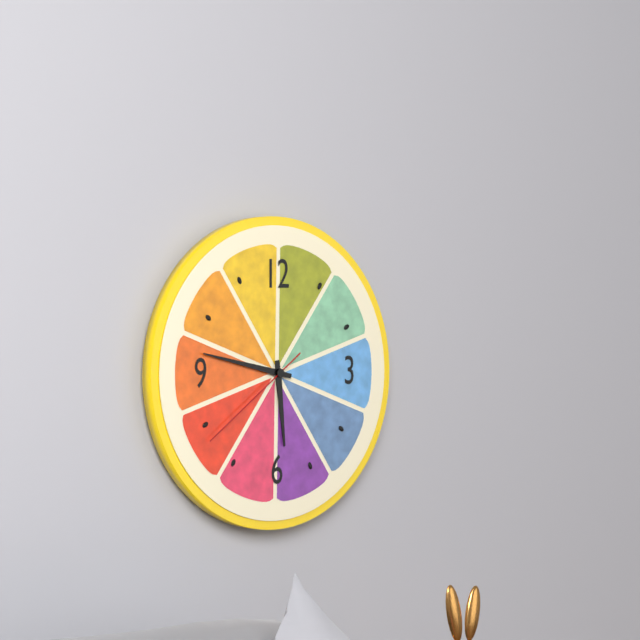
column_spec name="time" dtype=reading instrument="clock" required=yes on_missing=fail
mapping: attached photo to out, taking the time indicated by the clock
5:47:39
